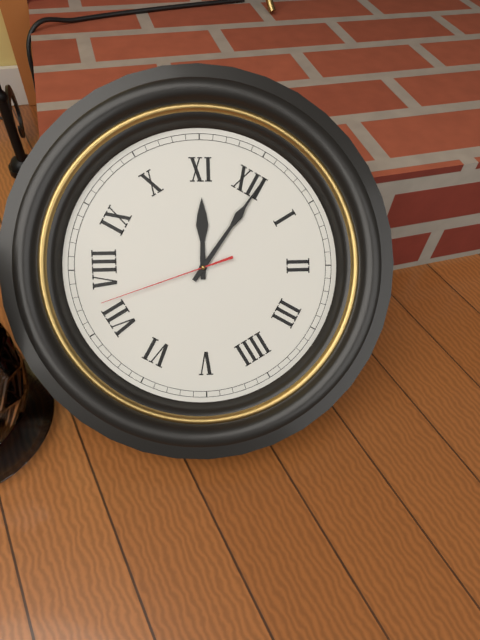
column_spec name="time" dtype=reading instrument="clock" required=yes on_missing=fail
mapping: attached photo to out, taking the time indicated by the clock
11:01:37
